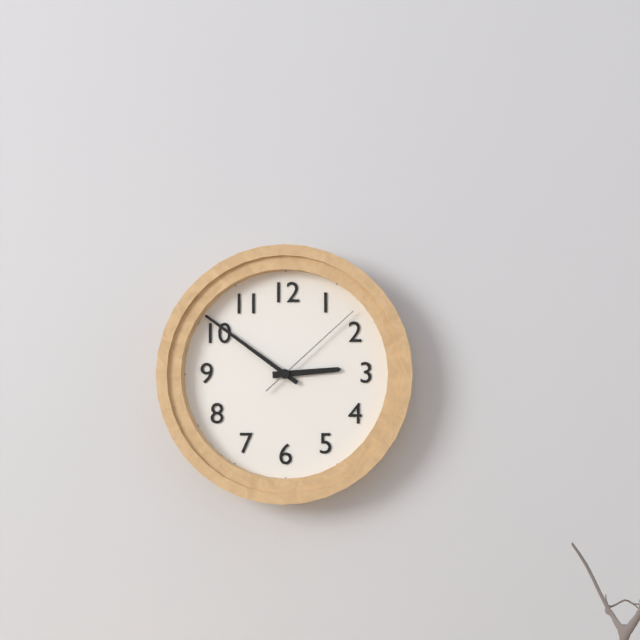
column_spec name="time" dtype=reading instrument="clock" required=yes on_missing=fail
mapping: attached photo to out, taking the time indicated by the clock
2:51:08
